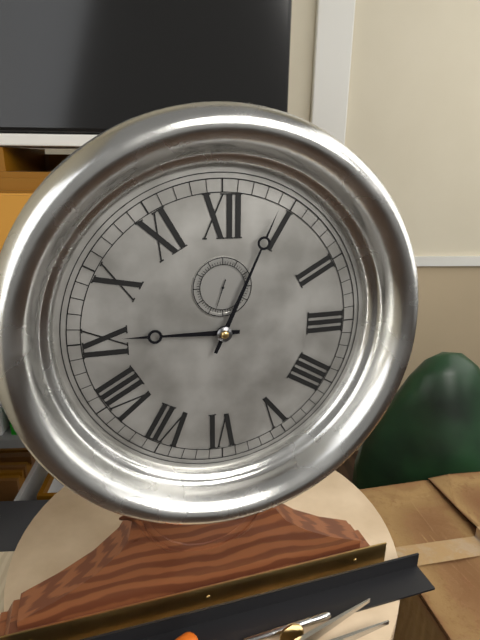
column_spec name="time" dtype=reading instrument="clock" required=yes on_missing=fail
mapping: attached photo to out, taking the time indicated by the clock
9:04
